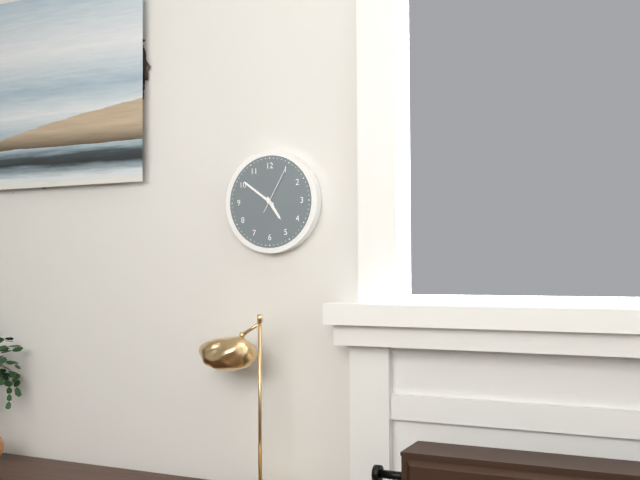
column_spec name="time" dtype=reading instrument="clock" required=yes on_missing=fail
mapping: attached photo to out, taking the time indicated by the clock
4:51
